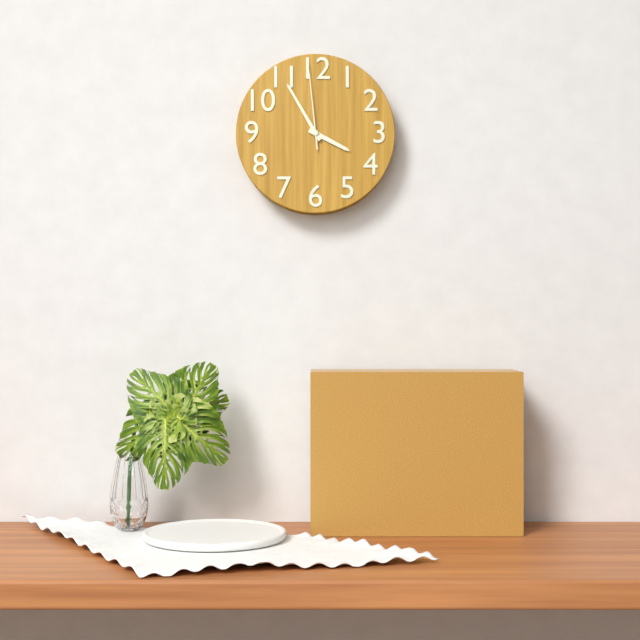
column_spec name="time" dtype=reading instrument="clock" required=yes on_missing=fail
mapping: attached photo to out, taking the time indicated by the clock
3:55:59
